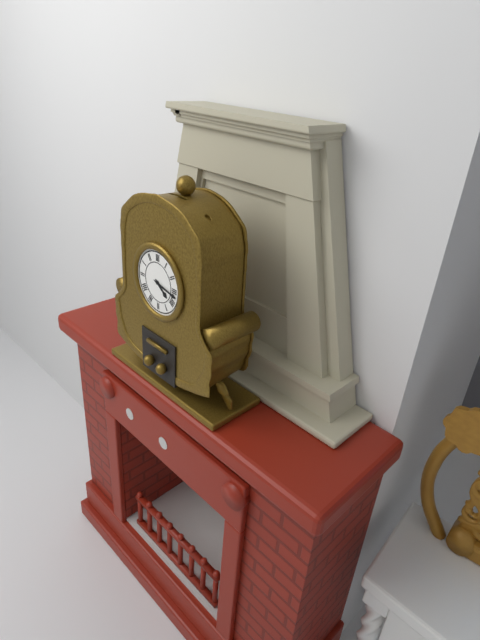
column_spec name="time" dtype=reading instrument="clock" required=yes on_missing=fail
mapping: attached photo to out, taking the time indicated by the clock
4:17
